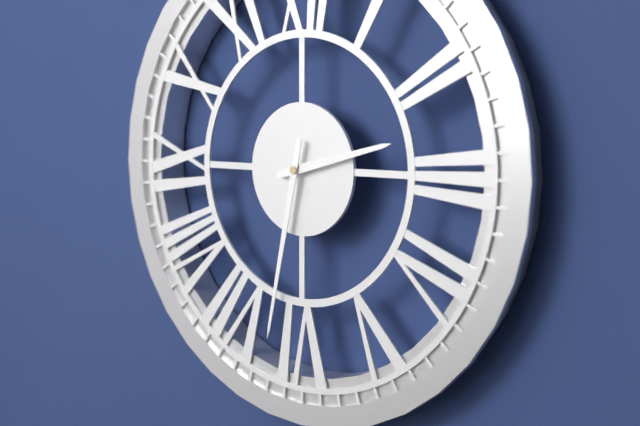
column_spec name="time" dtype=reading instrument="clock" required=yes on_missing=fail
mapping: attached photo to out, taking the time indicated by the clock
2:32
